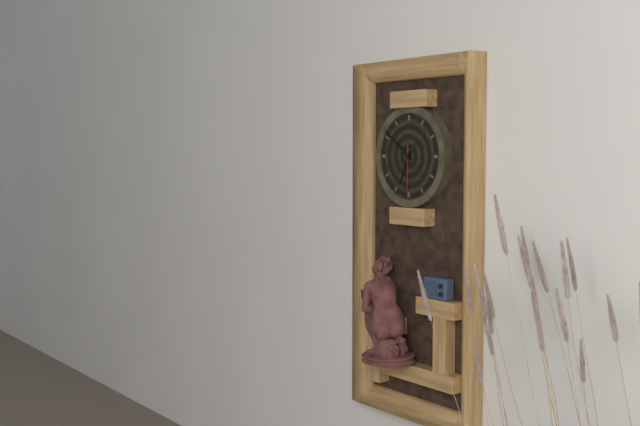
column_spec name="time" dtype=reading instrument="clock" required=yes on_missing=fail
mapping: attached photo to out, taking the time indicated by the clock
6:51:30
